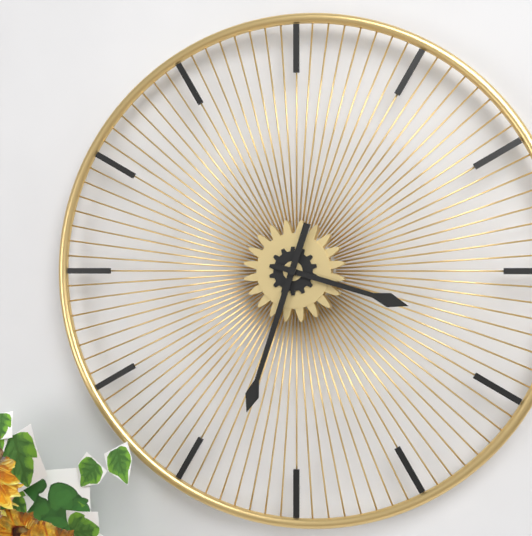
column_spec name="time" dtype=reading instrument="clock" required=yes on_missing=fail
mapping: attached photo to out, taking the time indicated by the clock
3:33
